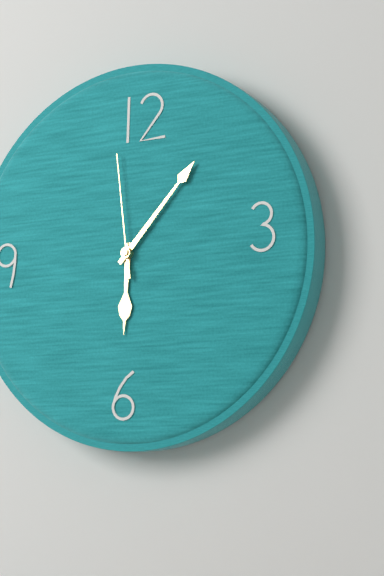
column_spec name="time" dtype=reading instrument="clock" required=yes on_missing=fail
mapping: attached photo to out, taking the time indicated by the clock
6:07:59
